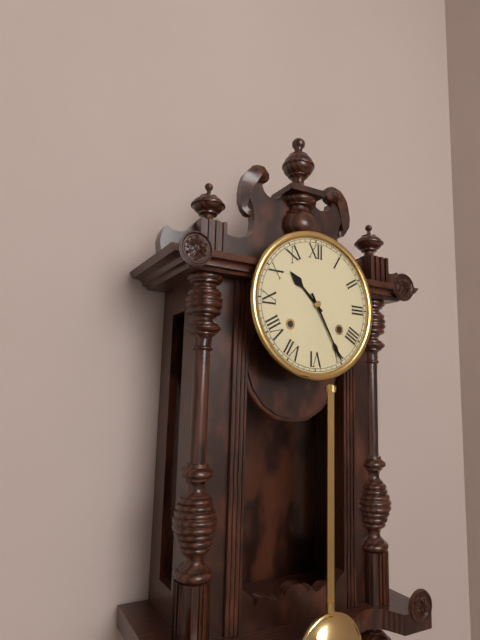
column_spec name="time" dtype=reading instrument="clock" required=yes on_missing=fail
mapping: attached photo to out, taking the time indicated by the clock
10:25
